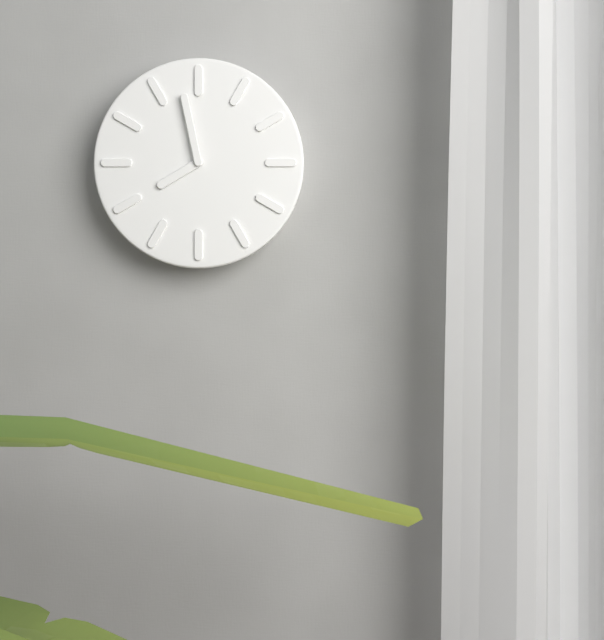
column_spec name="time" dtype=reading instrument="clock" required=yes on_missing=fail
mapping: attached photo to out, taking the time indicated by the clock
7:58
